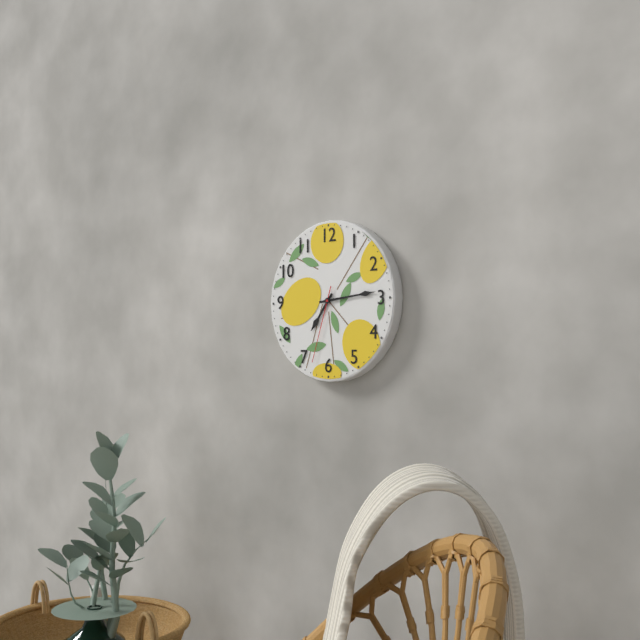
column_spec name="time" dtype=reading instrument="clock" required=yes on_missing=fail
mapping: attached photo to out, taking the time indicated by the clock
7:14:33
